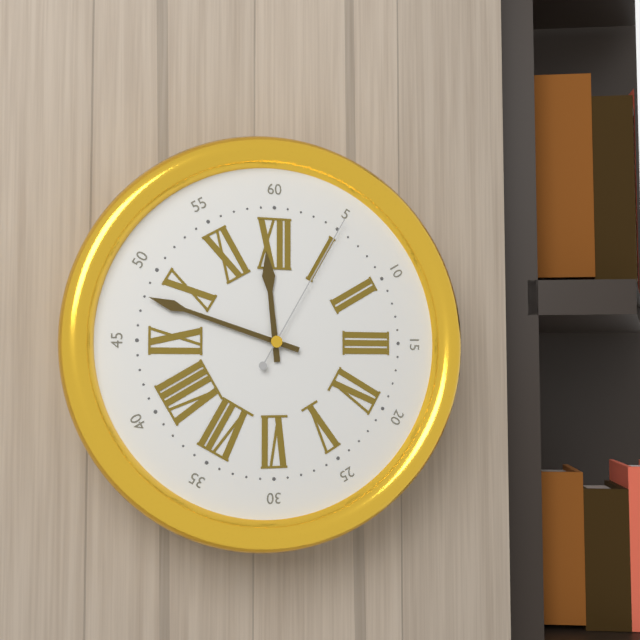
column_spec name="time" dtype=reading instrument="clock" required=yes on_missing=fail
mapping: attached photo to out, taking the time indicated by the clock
11:48:05
